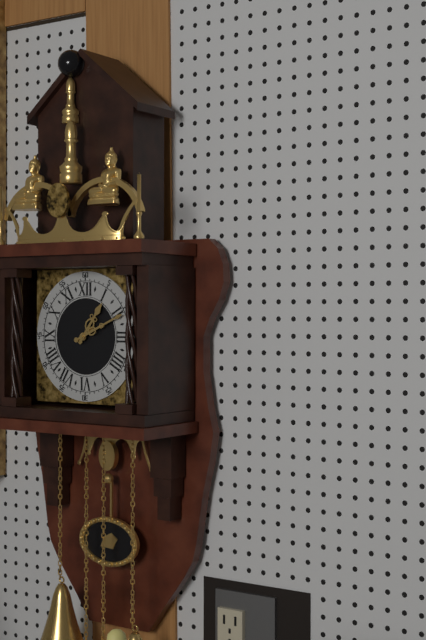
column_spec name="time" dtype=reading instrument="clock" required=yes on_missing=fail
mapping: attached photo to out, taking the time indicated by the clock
1:11
